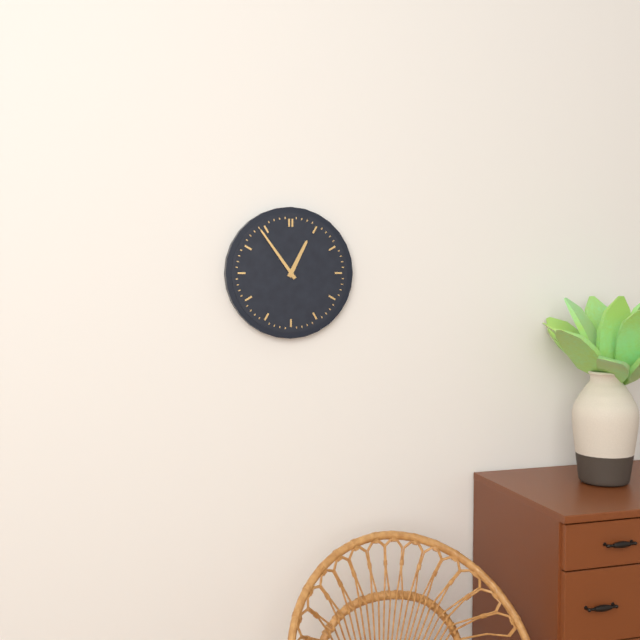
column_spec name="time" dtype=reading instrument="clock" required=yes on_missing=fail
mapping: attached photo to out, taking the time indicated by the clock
12:54
